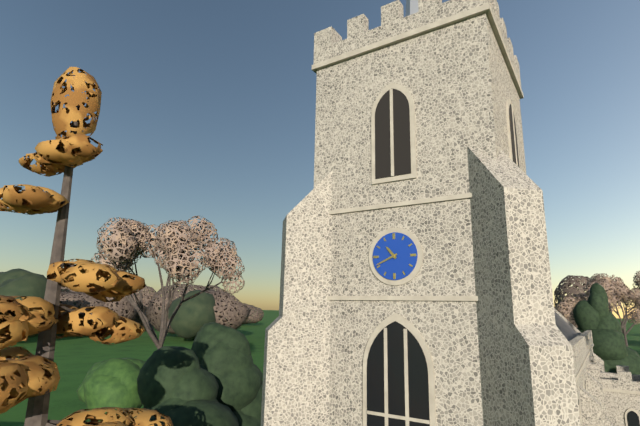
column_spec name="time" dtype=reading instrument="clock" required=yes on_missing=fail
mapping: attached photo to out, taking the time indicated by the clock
10:41
